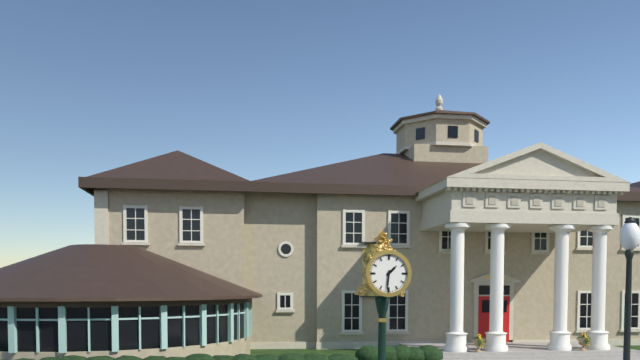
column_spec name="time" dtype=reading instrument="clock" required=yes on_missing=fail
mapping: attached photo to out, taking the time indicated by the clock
1:31
